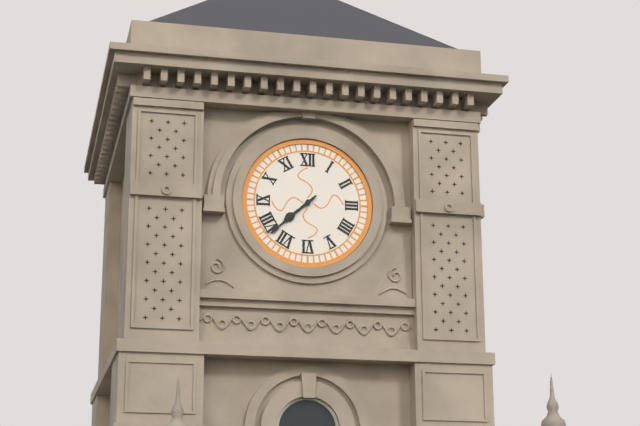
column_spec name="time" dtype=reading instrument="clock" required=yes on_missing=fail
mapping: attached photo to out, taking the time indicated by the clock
7:38
